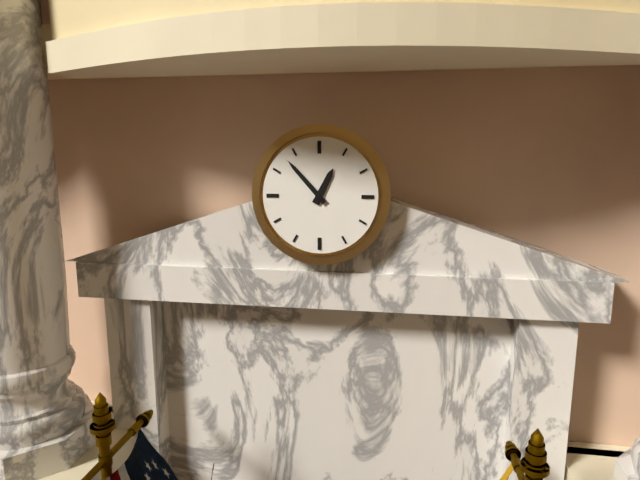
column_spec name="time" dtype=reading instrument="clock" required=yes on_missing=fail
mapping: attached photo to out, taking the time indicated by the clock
12:53
